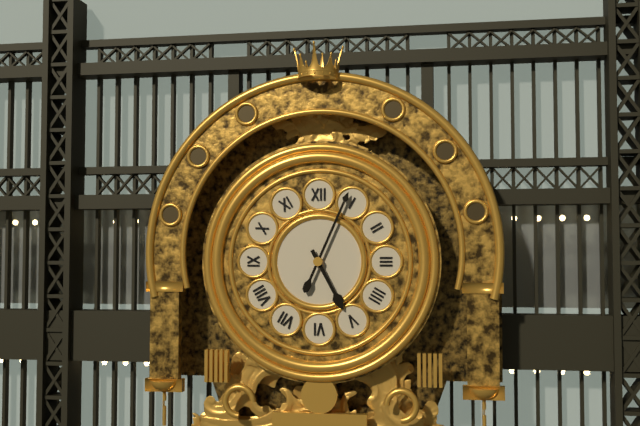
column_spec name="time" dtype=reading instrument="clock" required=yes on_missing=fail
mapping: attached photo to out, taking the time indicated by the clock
5:04
